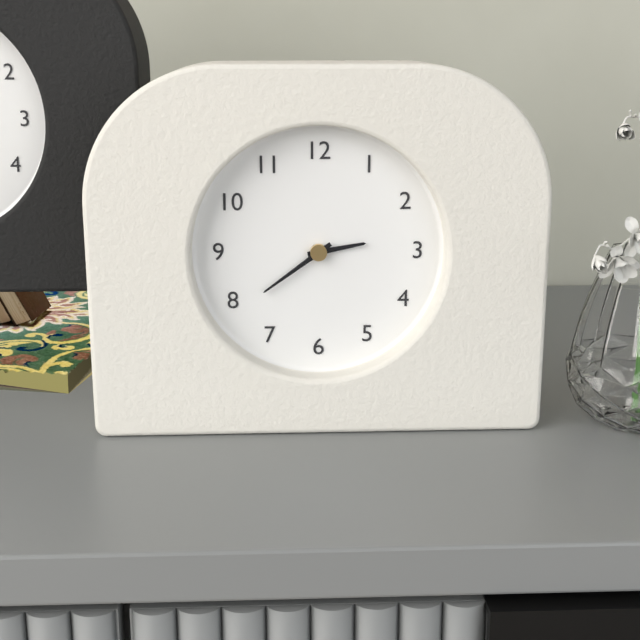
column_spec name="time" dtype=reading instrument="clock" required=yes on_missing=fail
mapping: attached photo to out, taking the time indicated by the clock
2:39
